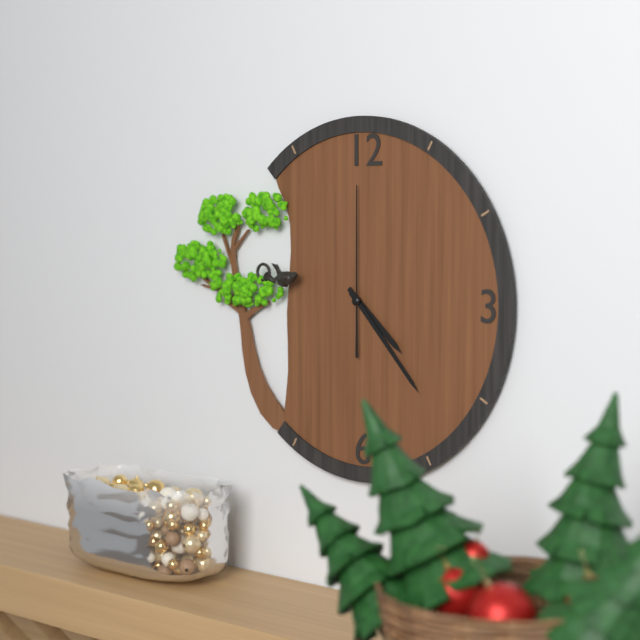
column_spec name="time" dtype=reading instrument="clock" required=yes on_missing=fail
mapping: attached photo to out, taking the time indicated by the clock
4:23:00
